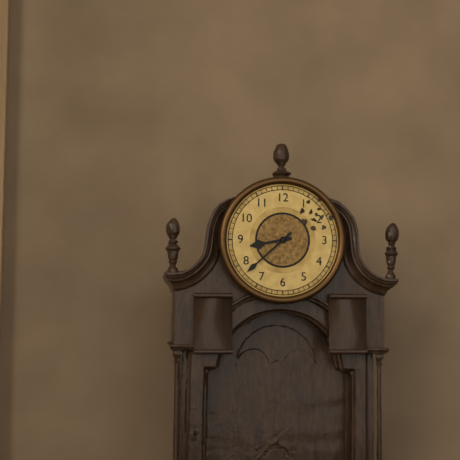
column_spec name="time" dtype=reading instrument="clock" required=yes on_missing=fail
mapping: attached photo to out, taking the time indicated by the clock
8:38
